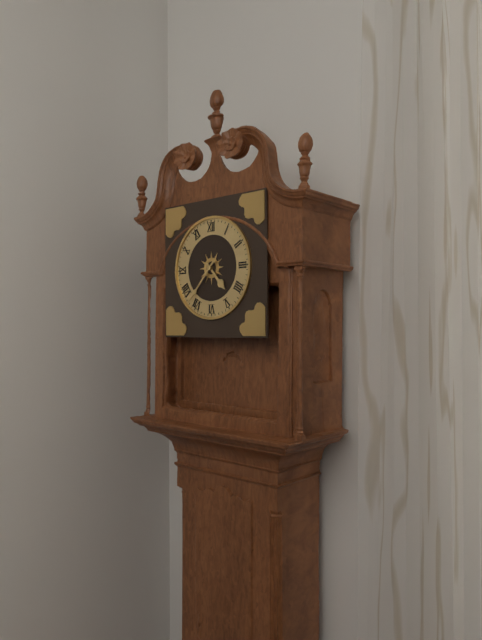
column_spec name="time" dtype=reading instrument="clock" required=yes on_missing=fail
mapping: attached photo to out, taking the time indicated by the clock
4:37
